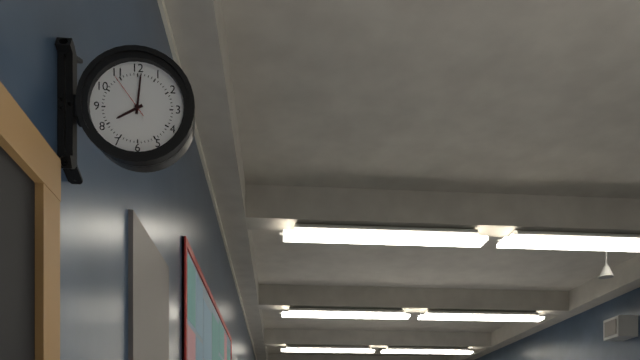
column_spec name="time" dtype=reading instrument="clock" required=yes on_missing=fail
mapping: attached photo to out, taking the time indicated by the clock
8:01
